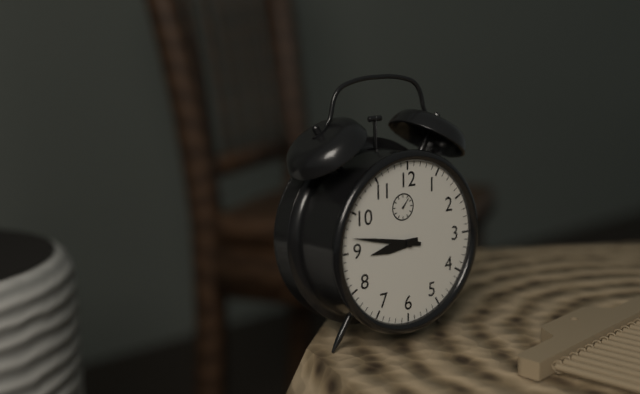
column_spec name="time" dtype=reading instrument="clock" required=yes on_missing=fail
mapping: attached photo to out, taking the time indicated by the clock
8:47
